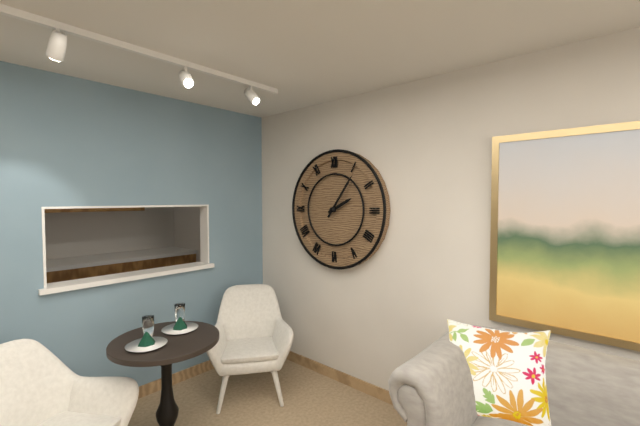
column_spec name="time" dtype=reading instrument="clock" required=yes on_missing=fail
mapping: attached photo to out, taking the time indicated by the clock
2:06
